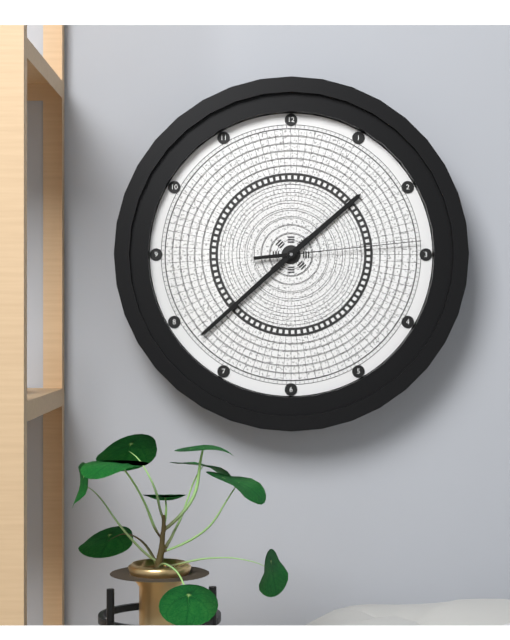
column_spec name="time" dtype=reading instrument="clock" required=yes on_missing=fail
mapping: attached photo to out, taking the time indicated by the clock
1:38:14
